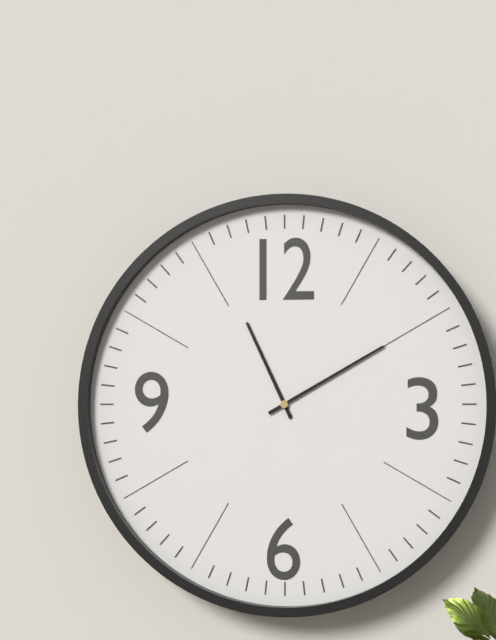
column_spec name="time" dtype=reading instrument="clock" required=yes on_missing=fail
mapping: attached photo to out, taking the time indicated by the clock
11:10
